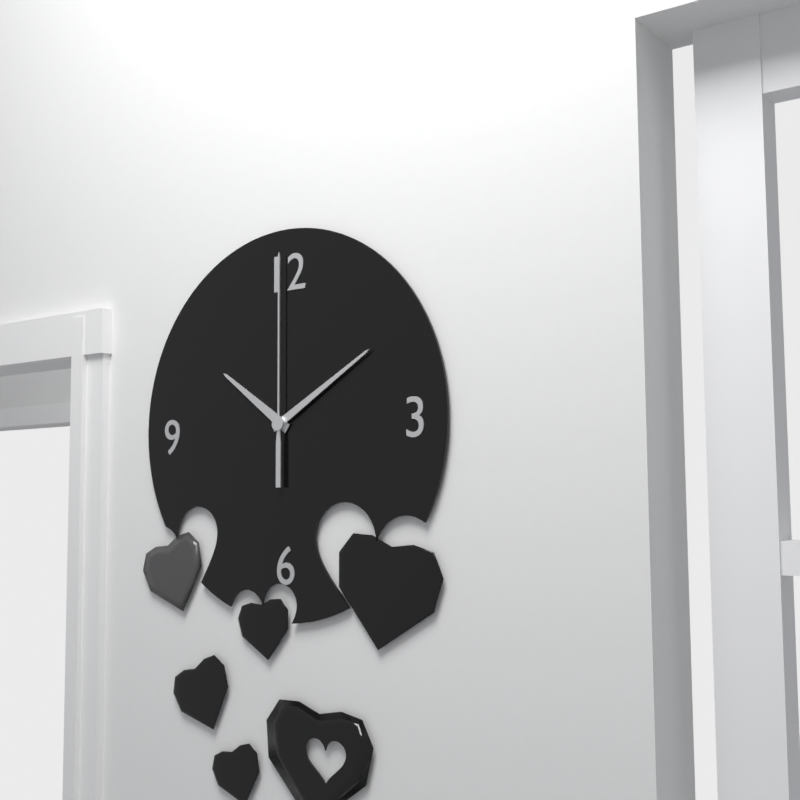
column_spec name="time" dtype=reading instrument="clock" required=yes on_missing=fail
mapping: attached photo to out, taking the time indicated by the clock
10:10:00
